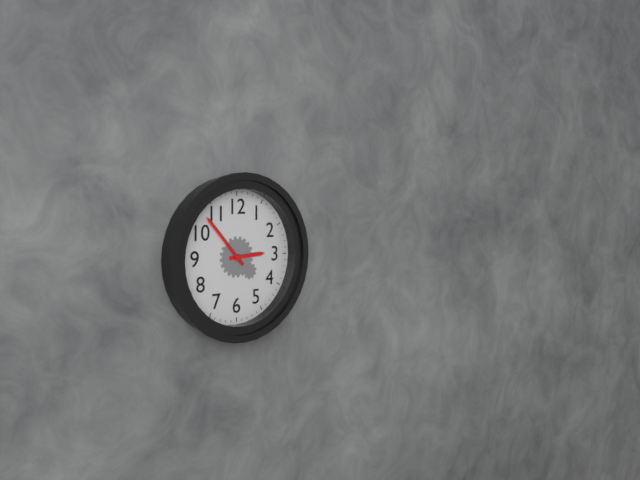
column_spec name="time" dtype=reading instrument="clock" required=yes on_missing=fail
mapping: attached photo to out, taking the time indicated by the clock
2:53
